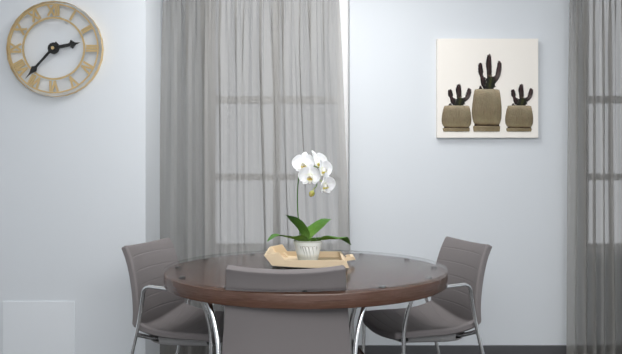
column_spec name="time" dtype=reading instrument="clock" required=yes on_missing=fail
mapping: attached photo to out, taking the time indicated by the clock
2:37
